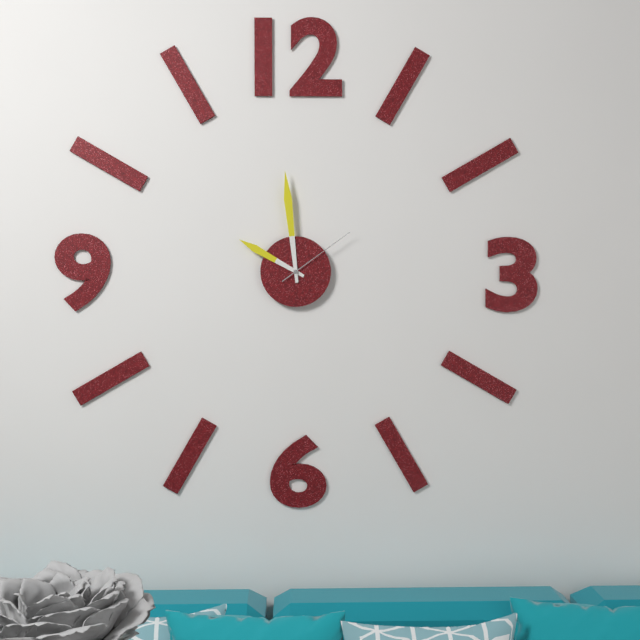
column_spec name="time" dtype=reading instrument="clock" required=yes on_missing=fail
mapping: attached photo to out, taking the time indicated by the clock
9:59:09
